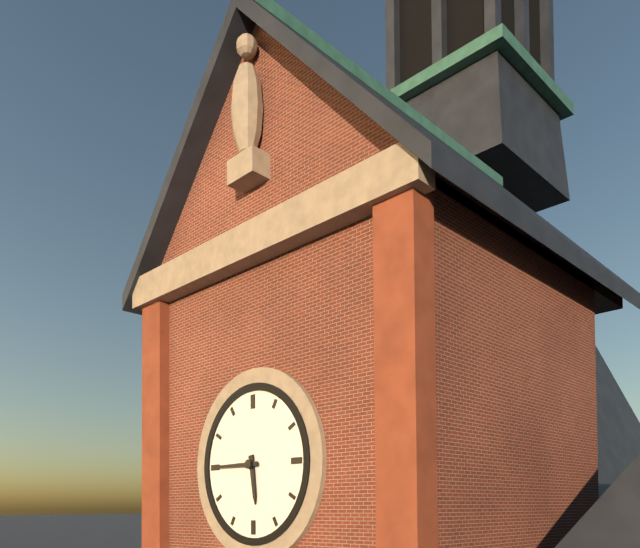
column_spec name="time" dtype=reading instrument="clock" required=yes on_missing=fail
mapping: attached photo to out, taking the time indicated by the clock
5:45
